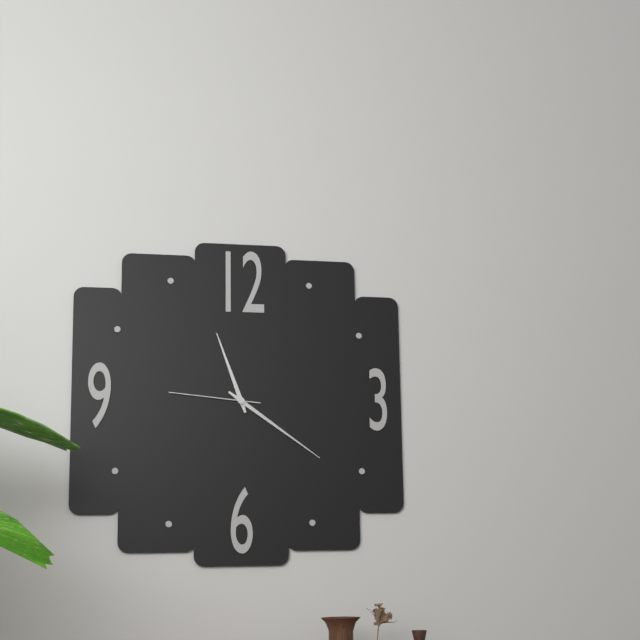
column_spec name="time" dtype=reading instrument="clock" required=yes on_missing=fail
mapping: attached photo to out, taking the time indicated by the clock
11:21:46
